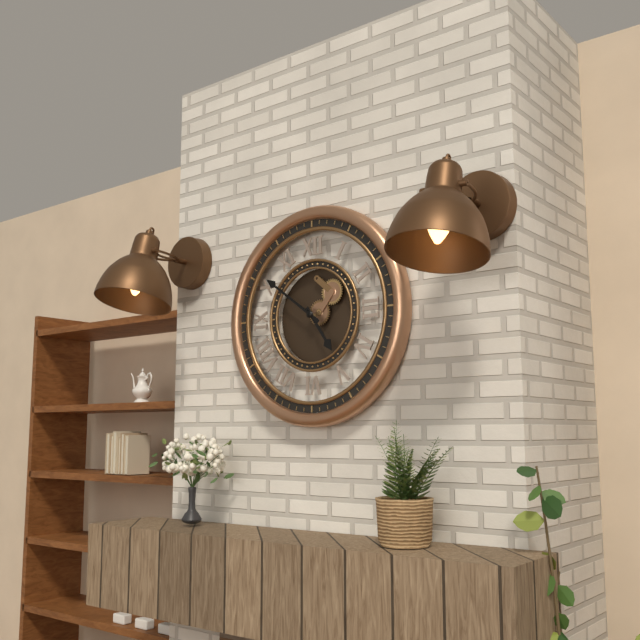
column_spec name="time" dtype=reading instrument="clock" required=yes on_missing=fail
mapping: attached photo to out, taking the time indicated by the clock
4:51
